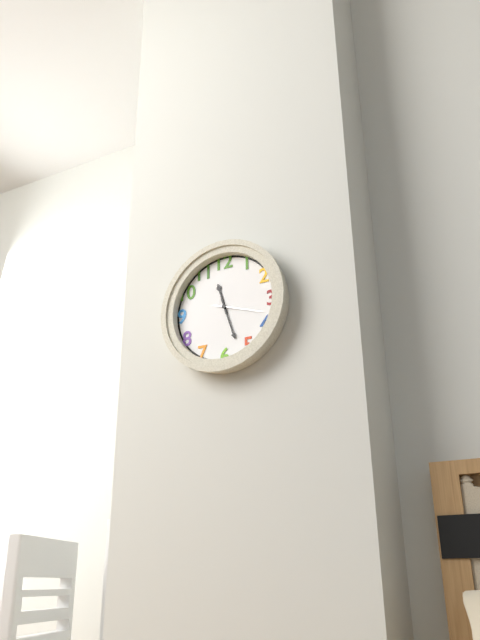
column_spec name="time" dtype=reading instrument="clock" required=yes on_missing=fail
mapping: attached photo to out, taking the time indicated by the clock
11:27
